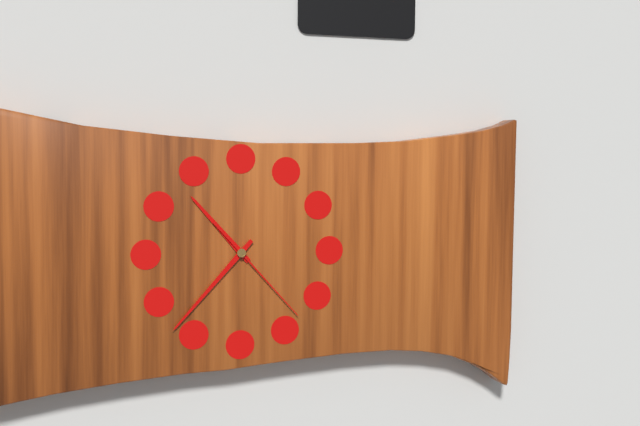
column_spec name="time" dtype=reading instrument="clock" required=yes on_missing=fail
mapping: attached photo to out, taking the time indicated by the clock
10:37:23
